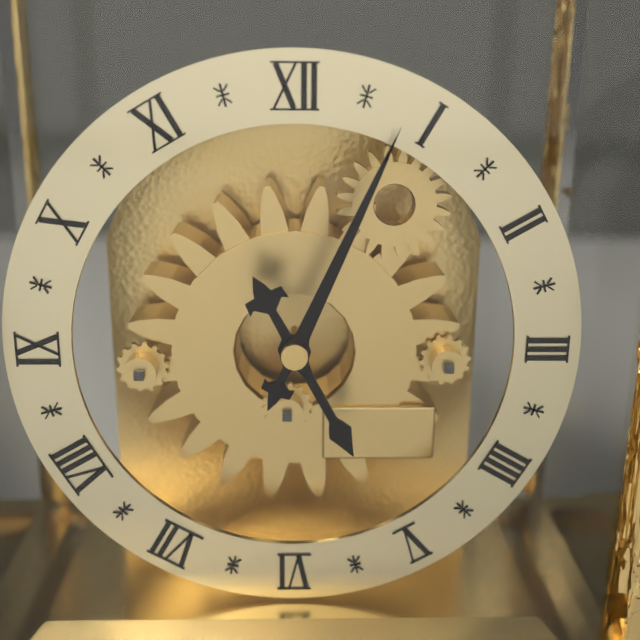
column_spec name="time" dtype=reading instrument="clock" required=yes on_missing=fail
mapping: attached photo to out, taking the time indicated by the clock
5:04
